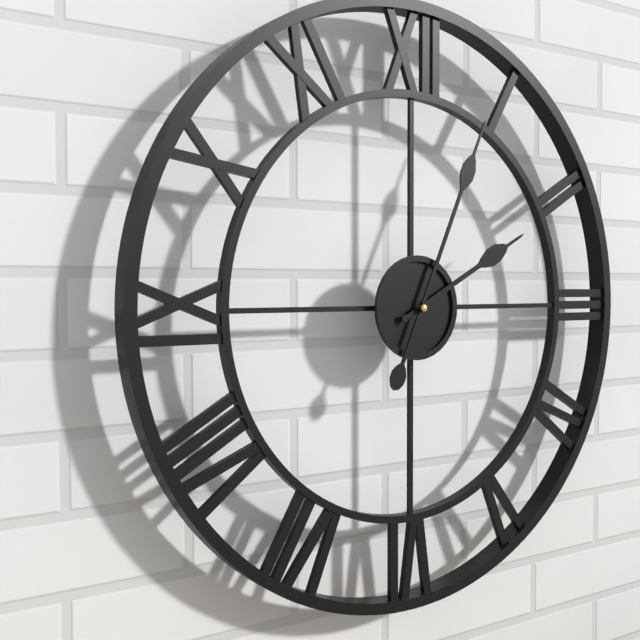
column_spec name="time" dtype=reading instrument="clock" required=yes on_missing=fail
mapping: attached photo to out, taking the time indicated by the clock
2:04
